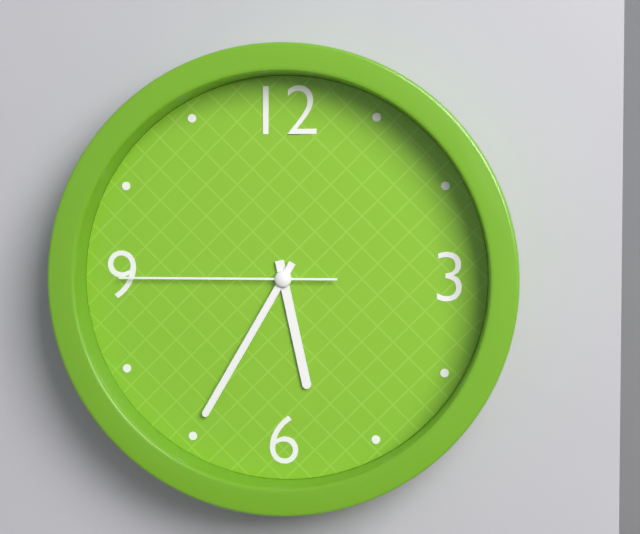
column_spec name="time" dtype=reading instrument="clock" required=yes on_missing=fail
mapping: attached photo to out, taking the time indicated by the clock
5:35:45
